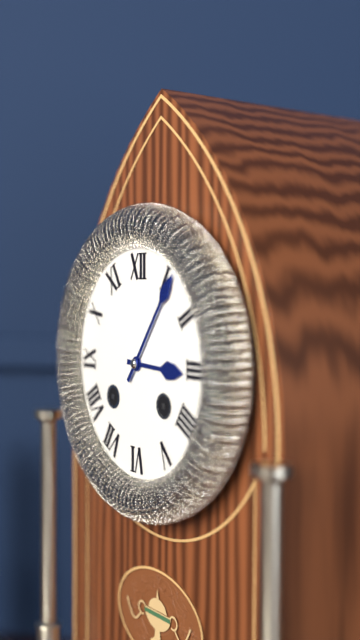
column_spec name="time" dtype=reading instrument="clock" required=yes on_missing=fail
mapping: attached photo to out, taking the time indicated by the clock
3:06
